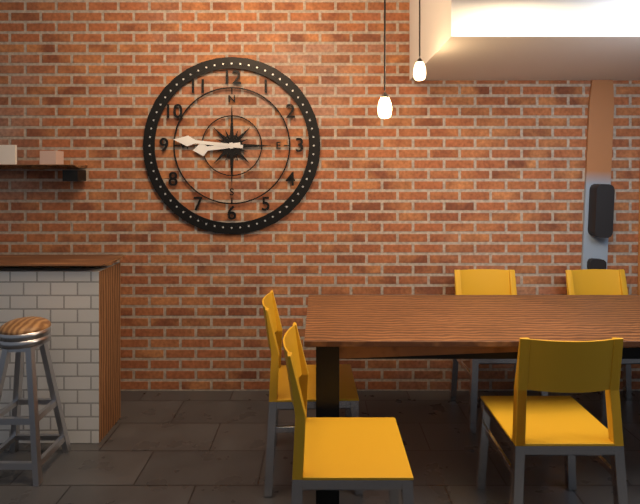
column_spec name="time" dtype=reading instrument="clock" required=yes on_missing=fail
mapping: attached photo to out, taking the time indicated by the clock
8:46
